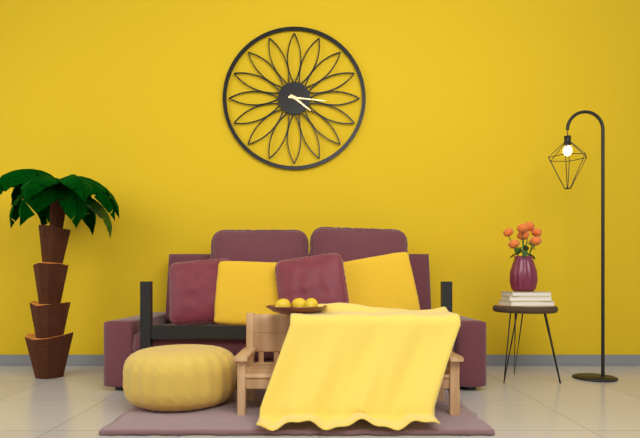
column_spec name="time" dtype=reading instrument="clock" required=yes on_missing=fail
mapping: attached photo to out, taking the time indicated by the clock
4:16
